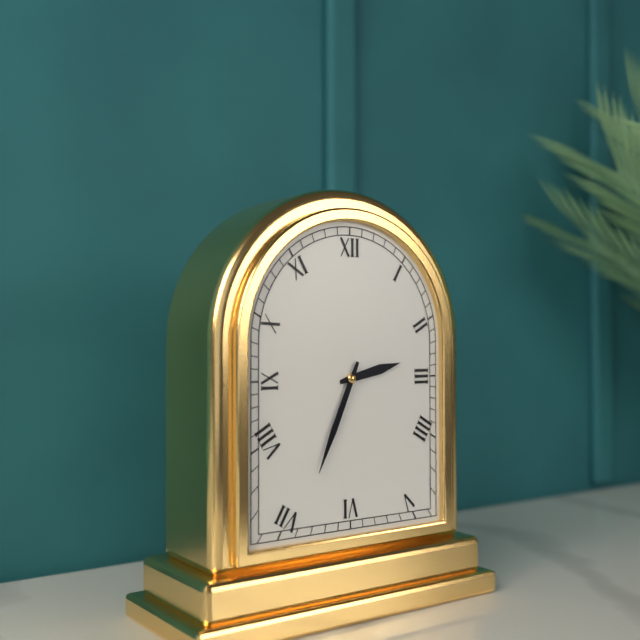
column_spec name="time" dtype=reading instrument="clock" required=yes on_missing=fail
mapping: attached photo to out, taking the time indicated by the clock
2:34
